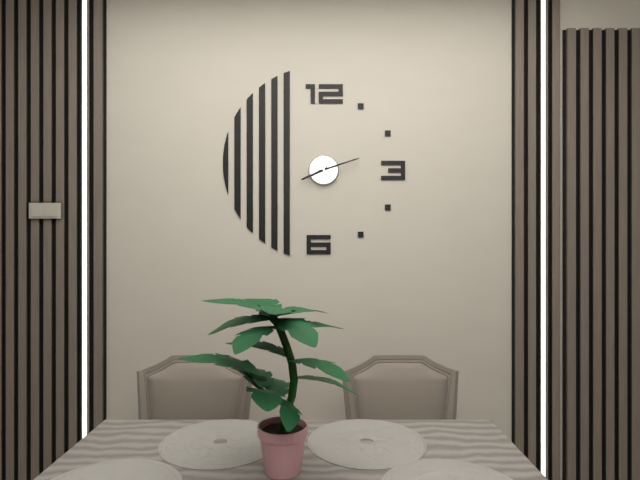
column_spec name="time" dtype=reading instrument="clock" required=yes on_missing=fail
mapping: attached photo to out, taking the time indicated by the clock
8:12
